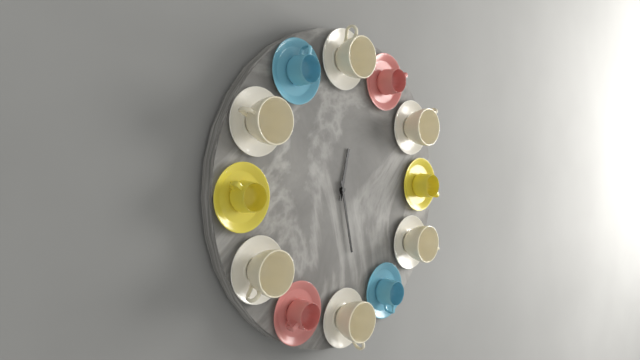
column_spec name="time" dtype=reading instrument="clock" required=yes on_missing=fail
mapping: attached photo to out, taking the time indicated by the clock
12:28
